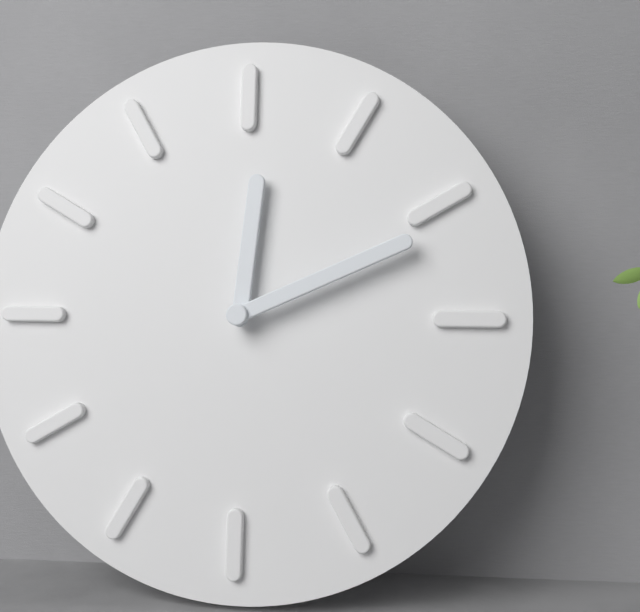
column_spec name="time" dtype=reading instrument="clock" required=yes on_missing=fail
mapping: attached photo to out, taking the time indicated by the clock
12:11
